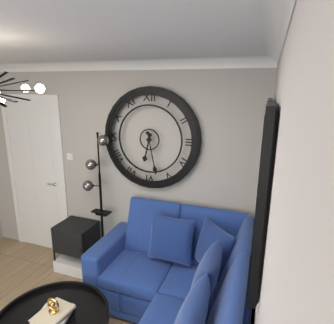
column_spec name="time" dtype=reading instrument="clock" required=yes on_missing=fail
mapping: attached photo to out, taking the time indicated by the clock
6:28
